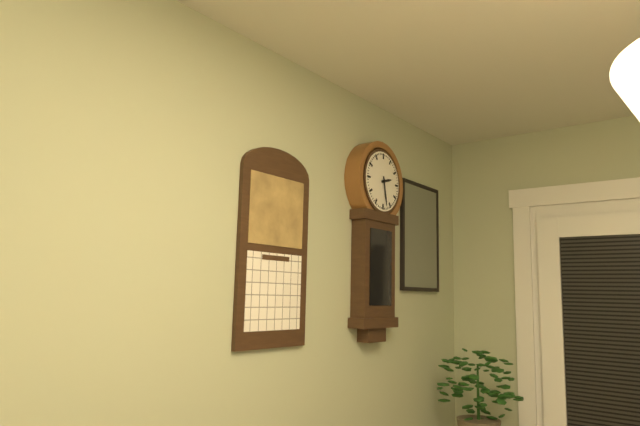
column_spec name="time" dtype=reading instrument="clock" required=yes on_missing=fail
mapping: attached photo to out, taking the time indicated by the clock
2:28
